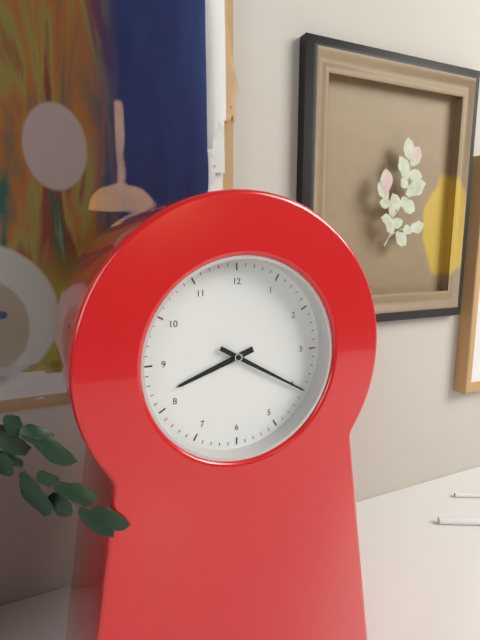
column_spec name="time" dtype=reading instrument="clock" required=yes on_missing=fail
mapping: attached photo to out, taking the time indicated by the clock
8:20
